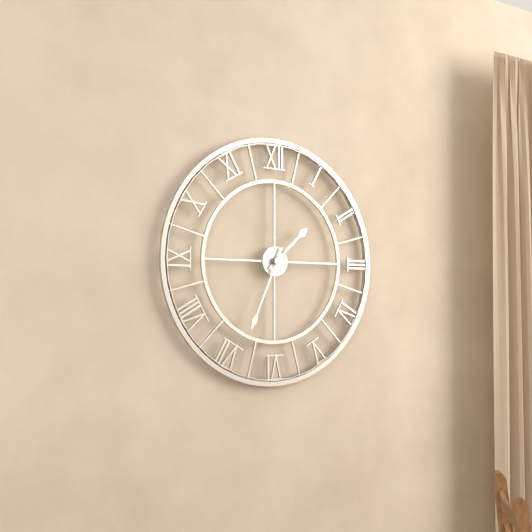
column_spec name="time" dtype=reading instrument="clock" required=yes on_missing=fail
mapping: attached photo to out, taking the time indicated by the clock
1:34
